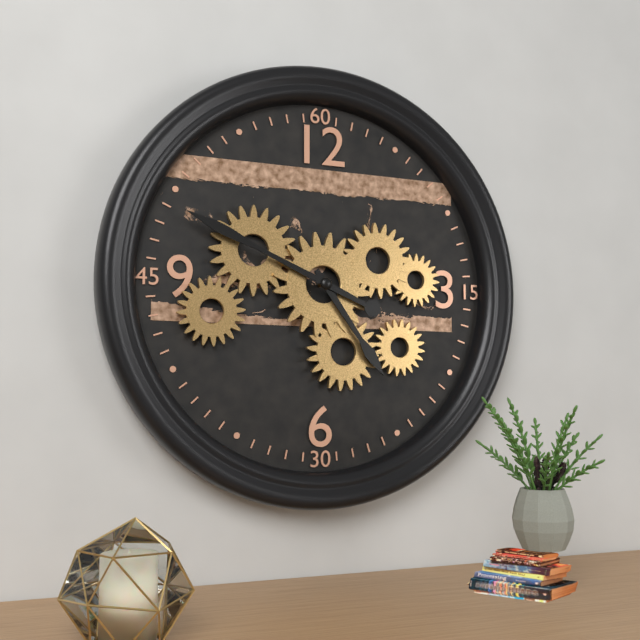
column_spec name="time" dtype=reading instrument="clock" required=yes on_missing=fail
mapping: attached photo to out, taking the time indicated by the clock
4:49
